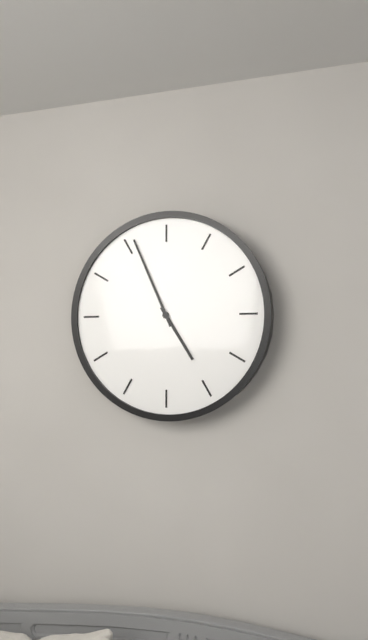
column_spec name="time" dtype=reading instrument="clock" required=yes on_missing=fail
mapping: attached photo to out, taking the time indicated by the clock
4:56
